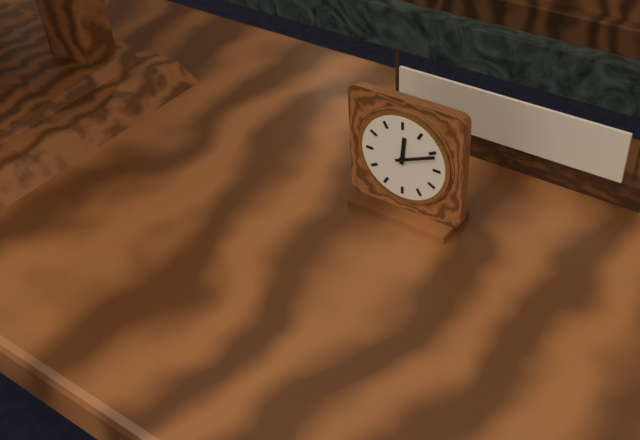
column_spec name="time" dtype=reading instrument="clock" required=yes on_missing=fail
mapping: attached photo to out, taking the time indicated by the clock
12:11
